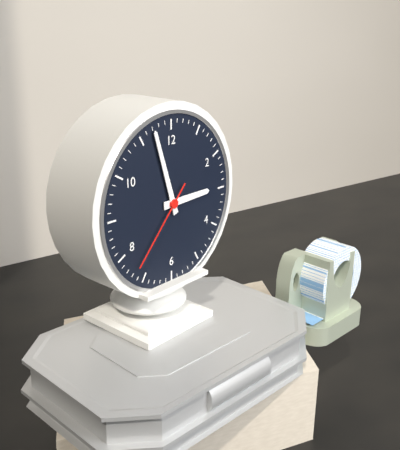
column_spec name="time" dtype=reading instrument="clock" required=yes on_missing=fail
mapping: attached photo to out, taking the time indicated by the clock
2:57:37
